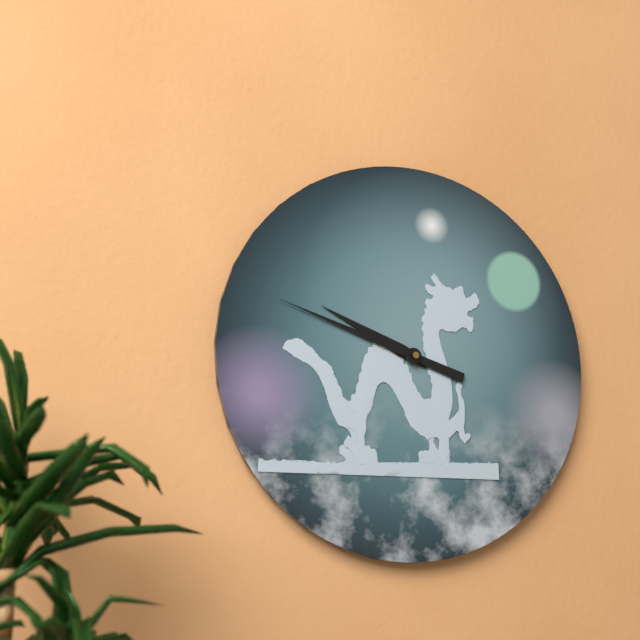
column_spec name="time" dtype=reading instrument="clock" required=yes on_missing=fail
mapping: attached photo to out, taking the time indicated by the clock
9:48
